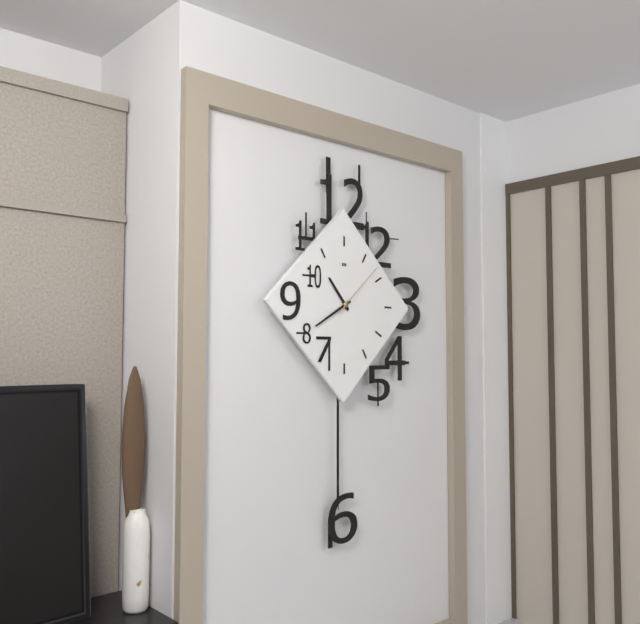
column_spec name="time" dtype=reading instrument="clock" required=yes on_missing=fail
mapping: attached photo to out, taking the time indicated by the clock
10:40:08
